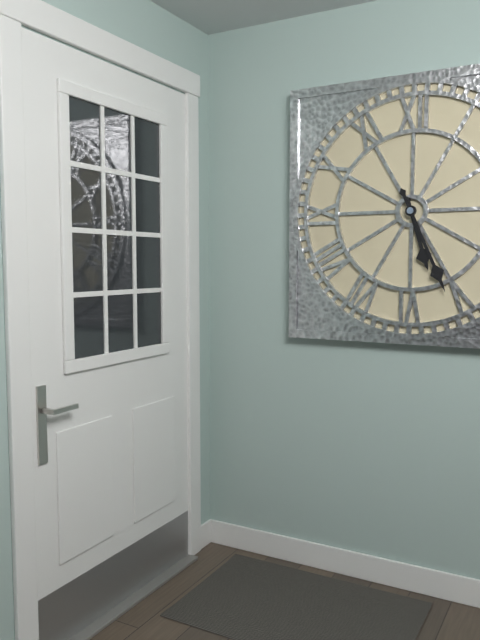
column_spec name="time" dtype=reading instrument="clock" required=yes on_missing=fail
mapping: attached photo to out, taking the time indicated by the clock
5:26
